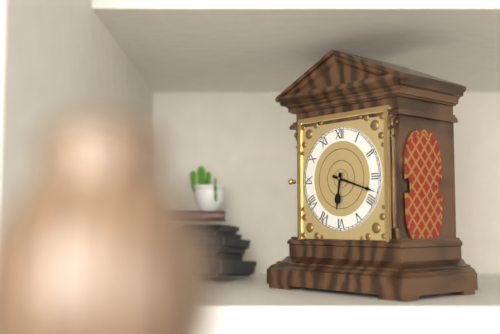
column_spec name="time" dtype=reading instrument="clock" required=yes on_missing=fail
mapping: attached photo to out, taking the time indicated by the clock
6:18
